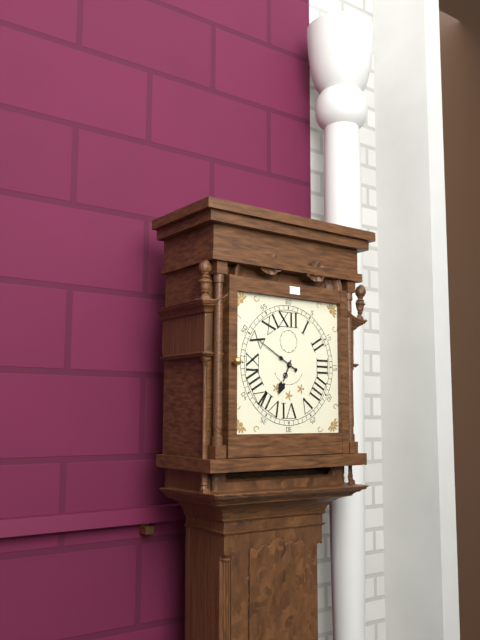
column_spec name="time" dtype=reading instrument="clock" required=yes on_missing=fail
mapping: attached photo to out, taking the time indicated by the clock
6:50
